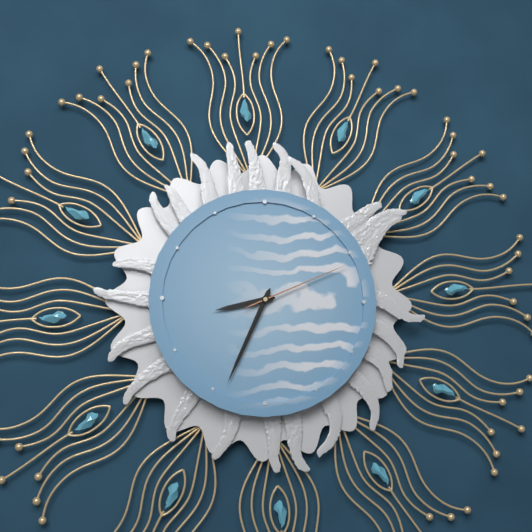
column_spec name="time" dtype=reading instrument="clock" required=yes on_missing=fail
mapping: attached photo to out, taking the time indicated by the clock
8:34:11
